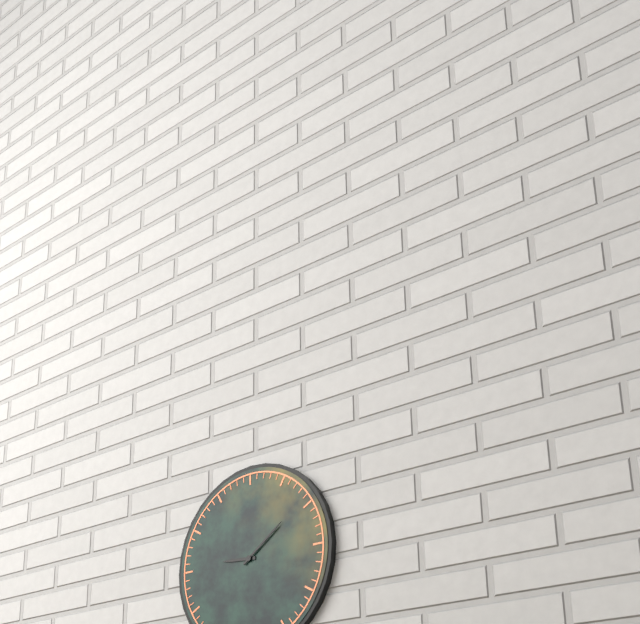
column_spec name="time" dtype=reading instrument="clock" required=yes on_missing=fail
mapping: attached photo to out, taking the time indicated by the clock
9:09
